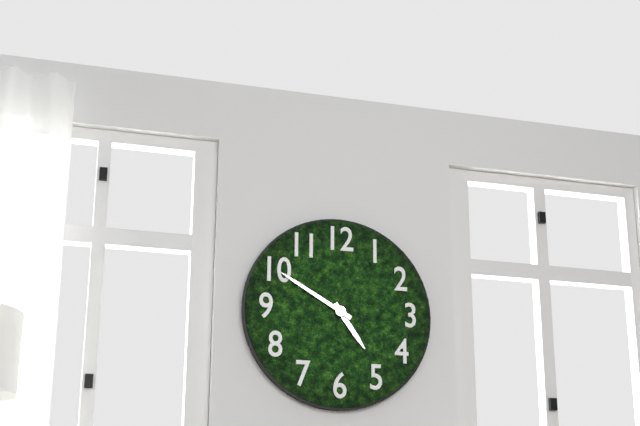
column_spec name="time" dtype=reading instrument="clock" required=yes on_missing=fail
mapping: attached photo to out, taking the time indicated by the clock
4:50
